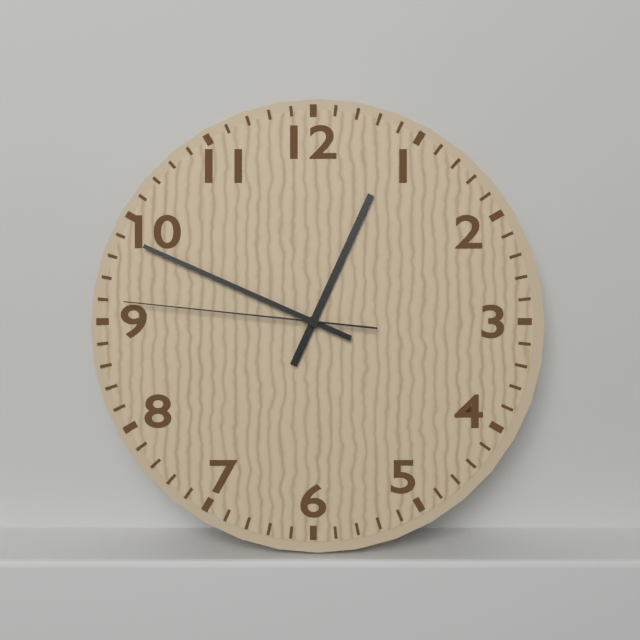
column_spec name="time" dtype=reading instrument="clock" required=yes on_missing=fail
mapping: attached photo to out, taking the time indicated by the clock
12:49:46
